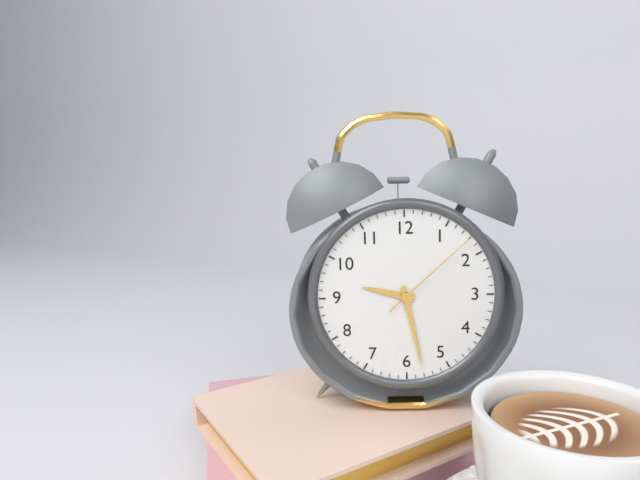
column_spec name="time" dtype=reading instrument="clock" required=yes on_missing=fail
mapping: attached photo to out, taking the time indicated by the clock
9:28:08
